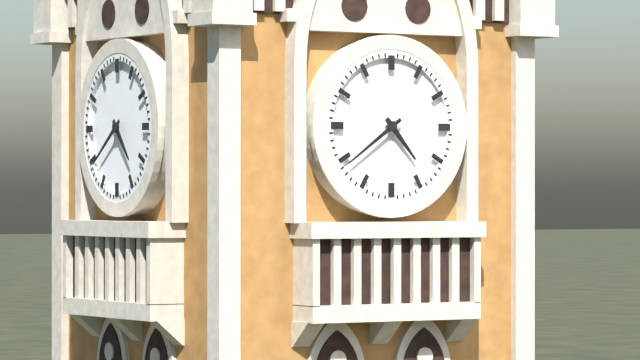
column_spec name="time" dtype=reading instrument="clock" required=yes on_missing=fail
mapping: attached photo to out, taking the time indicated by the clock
4:39
